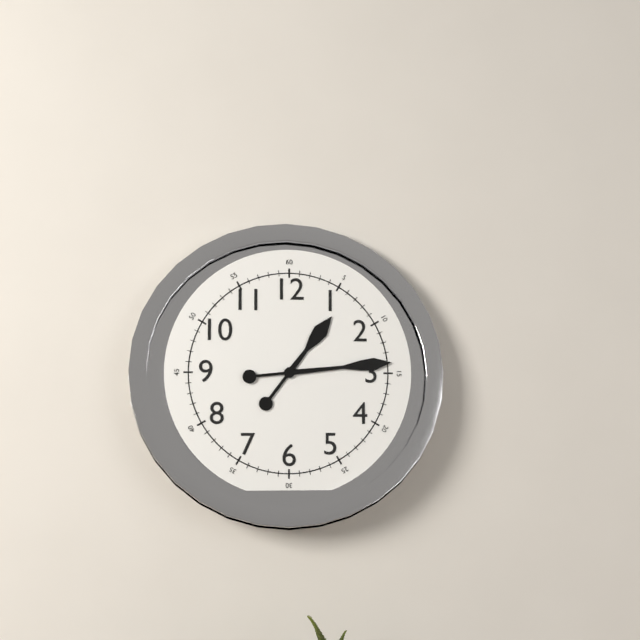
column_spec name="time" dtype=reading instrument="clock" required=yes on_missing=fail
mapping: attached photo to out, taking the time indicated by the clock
1:14
